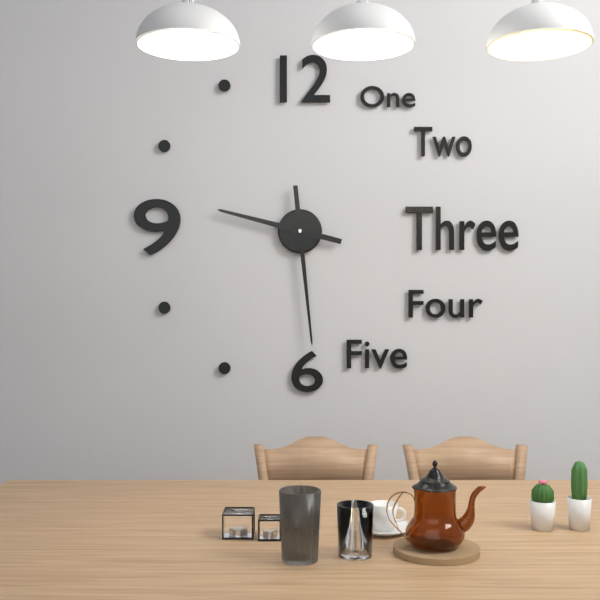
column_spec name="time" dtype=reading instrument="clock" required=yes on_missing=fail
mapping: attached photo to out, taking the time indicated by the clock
9:29
